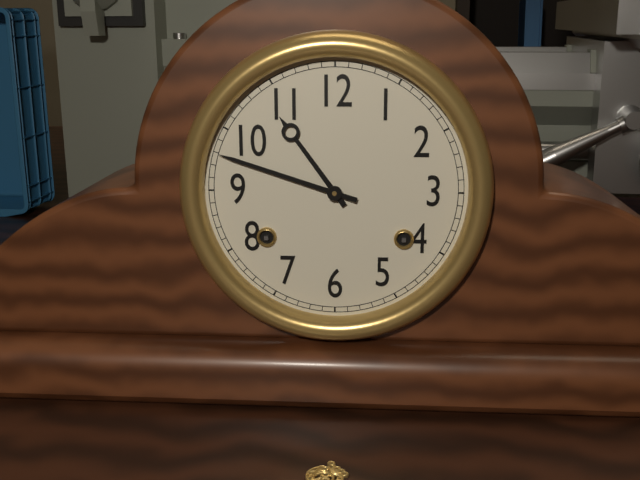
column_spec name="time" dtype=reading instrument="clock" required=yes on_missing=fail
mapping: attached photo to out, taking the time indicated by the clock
10:48
